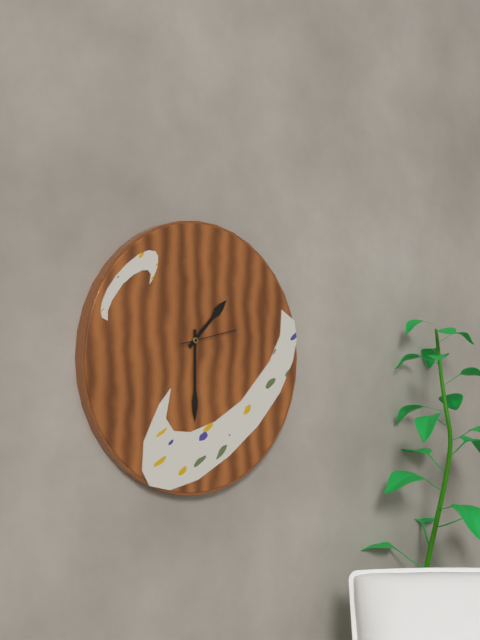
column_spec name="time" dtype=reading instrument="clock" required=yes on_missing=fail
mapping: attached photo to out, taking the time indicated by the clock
1:30:13
